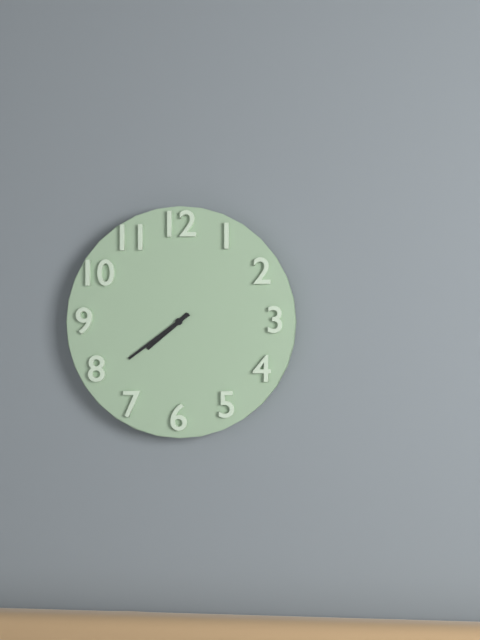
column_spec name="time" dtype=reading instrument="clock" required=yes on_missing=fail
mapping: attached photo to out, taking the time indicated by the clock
7:39
